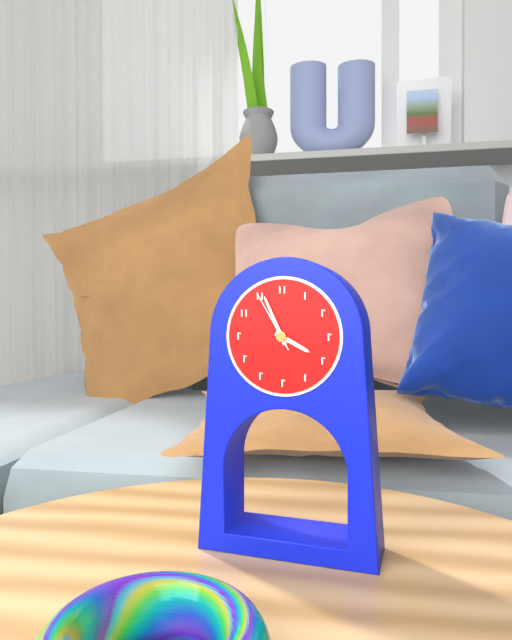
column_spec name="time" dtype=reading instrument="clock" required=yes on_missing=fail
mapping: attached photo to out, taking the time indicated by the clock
3:56:55
